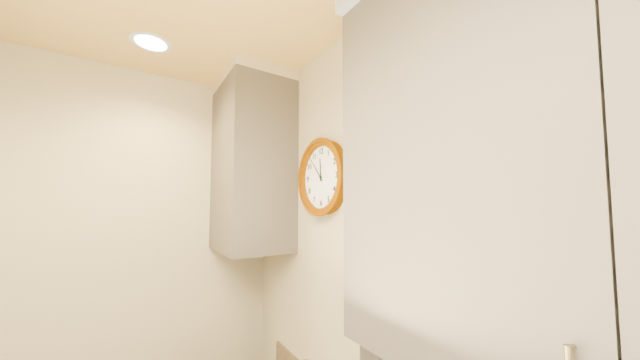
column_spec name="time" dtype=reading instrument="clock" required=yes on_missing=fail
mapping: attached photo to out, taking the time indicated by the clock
11:53
